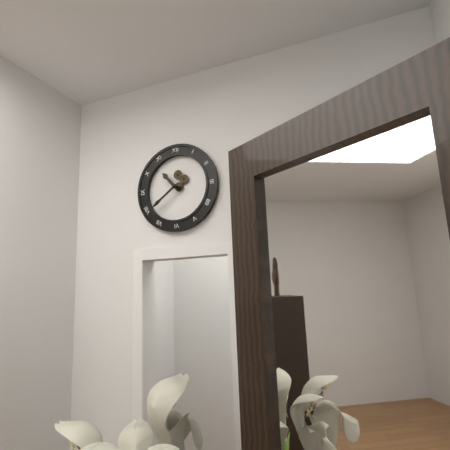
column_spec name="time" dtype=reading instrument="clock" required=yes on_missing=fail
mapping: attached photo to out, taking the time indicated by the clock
10:39
